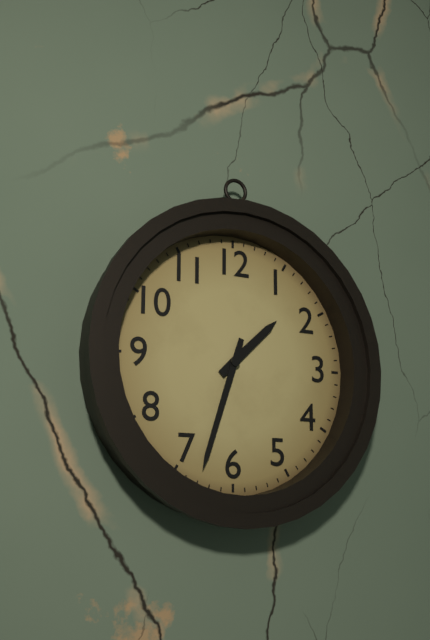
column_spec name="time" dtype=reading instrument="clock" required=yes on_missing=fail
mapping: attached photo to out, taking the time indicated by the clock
1:33
